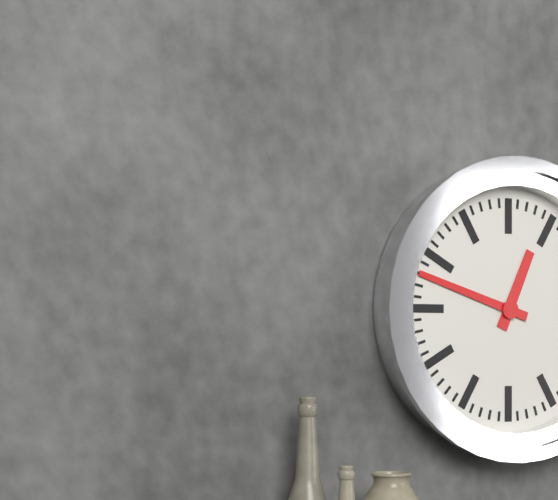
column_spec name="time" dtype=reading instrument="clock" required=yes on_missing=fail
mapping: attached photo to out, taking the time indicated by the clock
12:48
